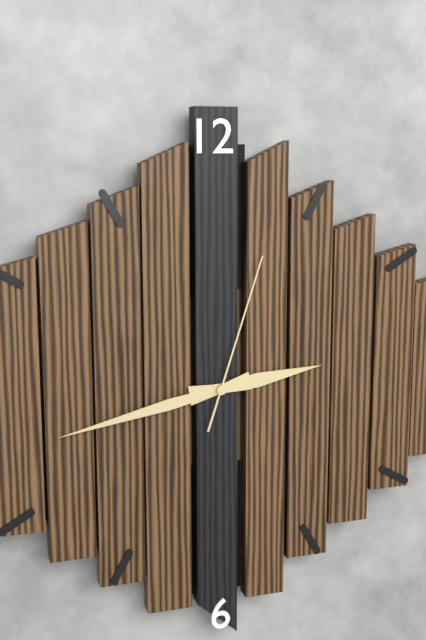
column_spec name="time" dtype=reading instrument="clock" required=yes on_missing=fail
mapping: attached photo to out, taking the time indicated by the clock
2:43:03
